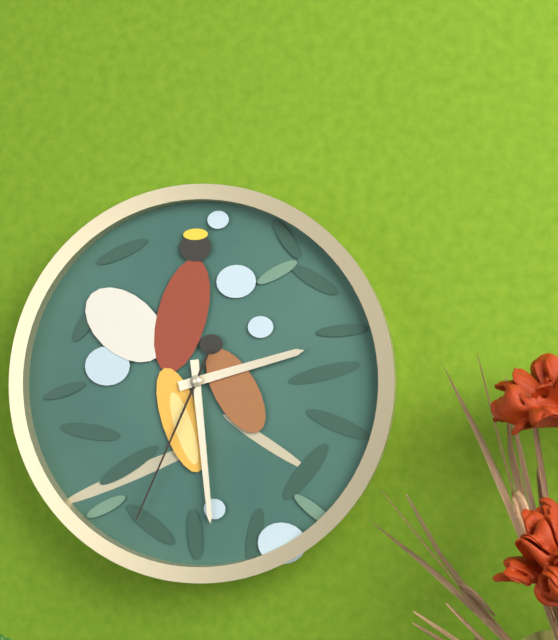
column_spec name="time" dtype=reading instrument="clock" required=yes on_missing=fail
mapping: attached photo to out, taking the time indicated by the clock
2:29:34
